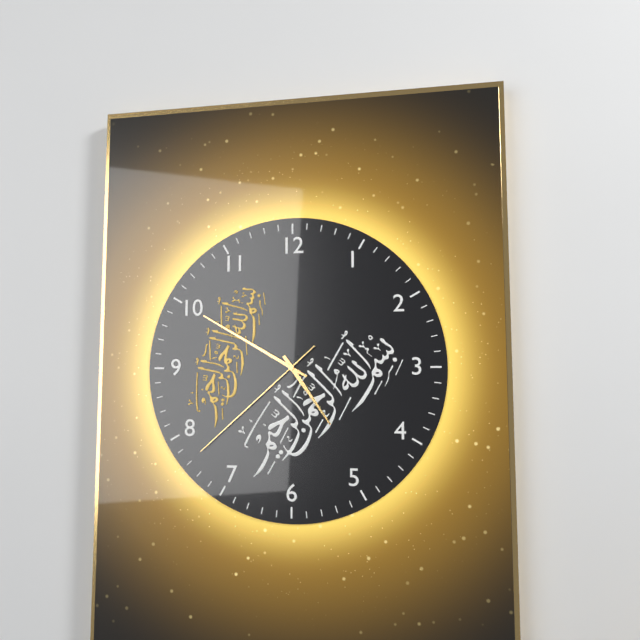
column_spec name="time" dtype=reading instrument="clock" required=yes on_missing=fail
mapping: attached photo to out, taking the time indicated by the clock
4:50:38
